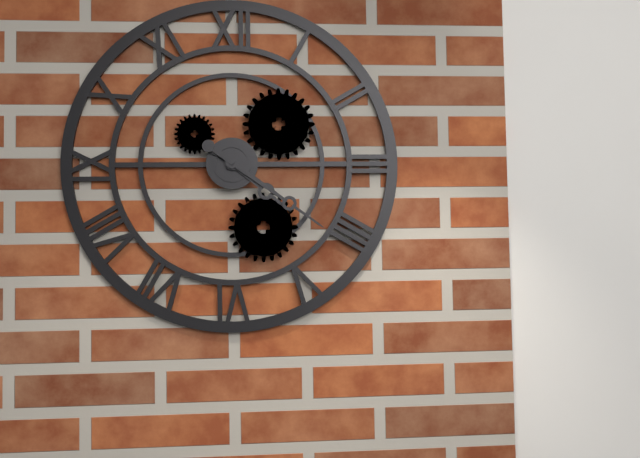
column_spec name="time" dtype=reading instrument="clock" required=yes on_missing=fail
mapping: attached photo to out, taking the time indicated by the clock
4:21
